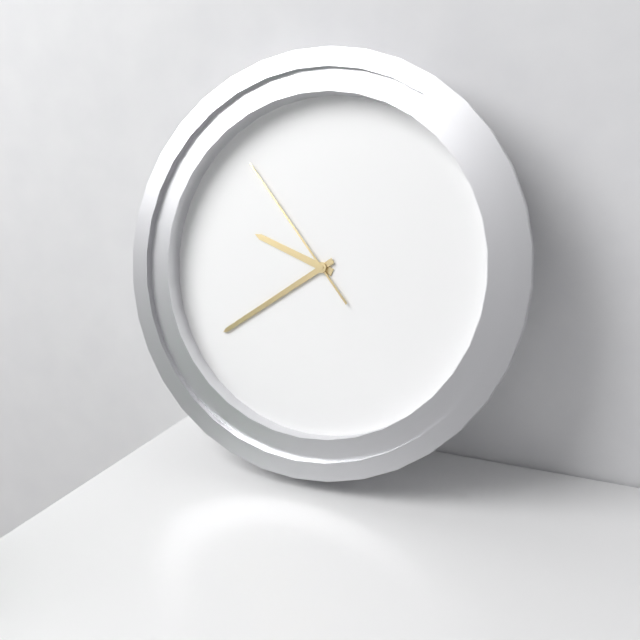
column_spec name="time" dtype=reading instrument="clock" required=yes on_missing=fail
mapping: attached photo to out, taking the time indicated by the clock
9:39:53
